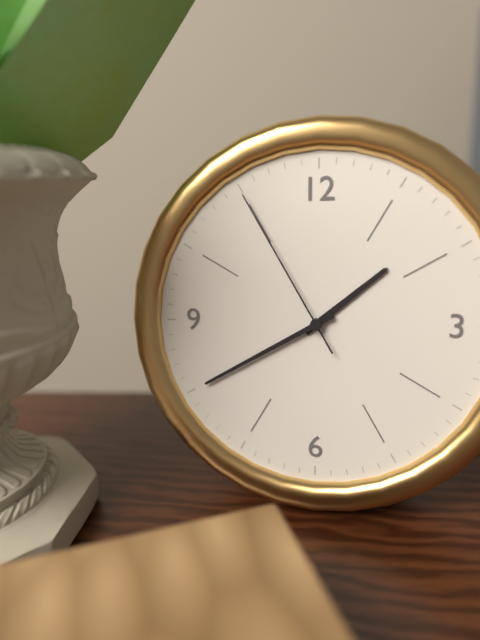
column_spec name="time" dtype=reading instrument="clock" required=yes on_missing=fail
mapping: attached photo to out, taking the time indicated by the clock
1:40:55
